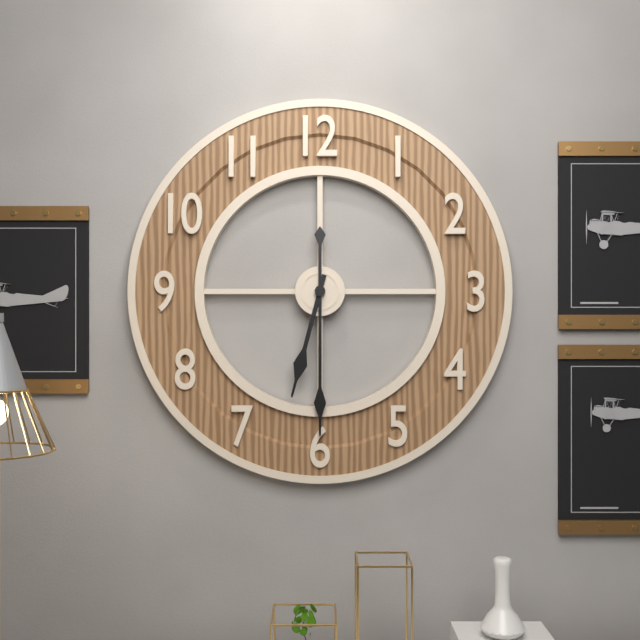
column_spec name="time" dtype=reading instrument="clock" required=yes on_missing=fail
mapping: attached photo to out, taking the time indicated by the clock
6:30
